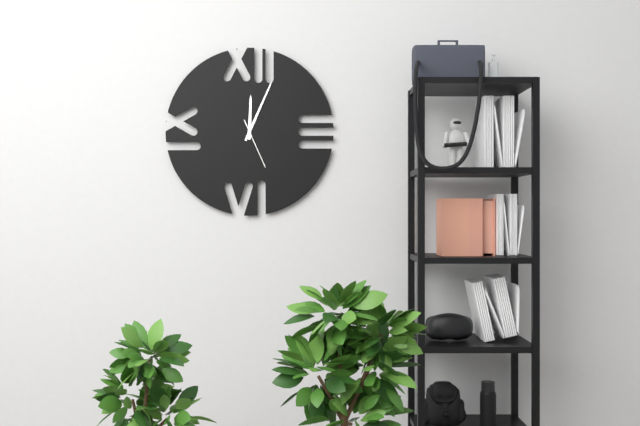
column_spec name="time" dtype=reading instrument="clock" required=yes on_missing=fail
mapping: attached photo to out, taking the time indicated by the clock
12:04
